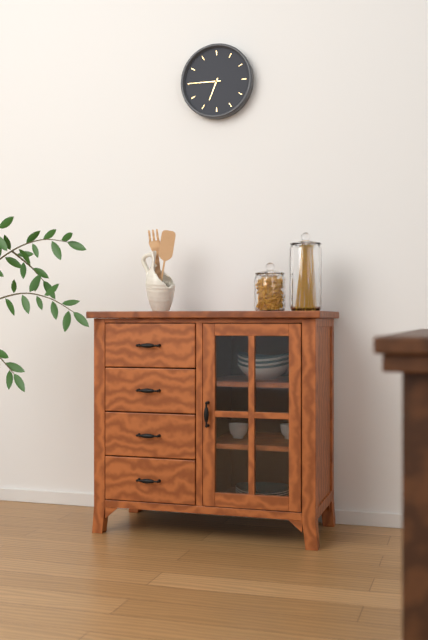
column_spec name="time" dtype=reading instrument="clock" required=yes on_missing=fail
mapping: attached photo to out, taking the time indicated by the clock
6:45
